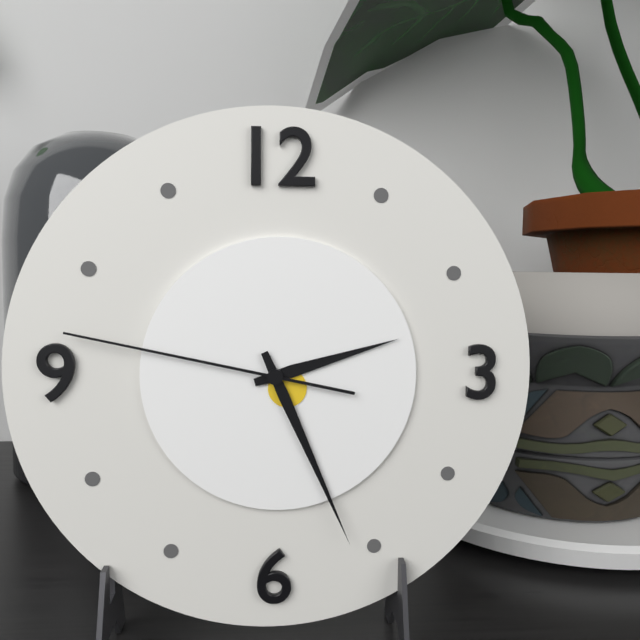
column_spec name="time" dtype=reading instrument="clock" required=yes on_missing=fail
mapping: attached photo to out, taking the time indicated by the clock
2:26:47
